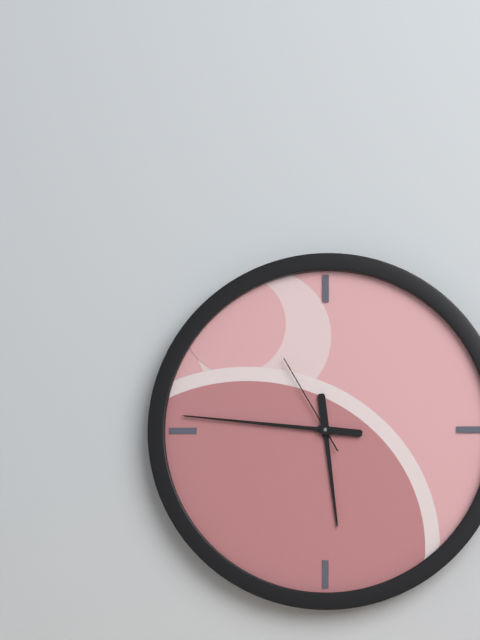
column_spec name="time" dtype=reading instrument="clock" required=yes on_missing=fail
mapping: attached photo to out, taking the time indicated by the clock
5:46:55
